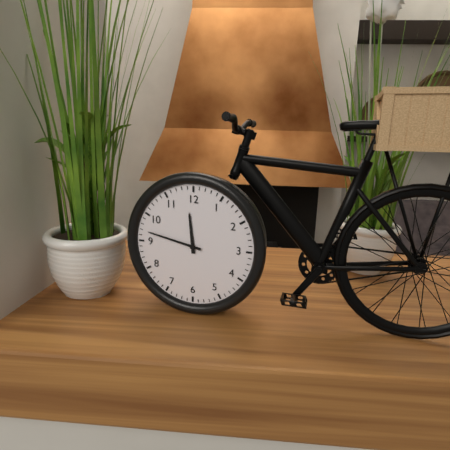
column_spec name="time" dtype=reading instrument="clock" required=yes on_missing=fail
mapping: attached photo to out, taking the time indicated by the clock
11:47
